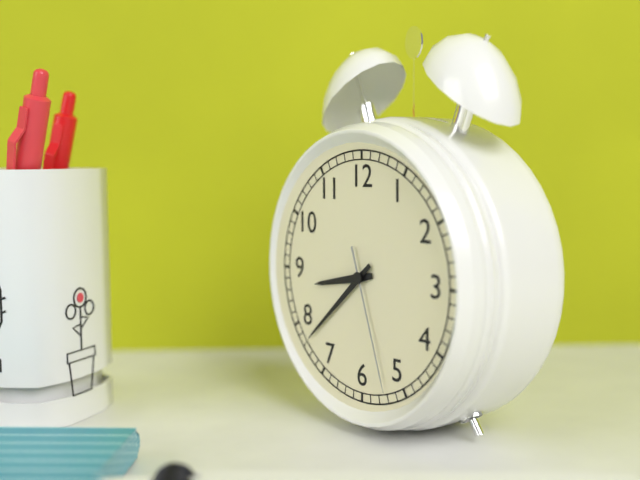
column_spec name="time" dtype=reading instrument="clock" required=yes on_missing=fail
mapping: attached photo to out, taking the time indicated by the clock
8:38:27
